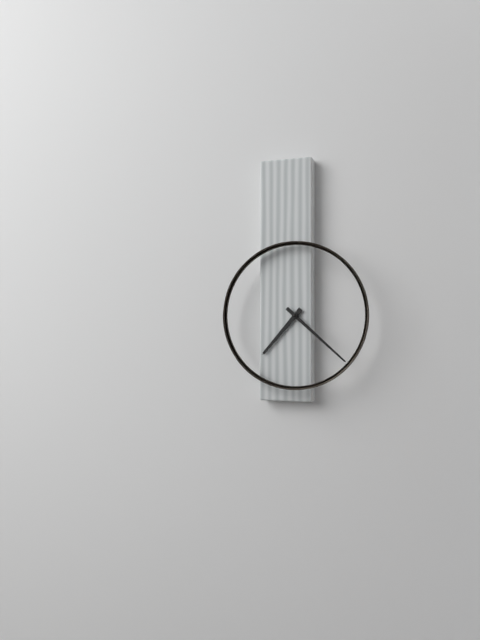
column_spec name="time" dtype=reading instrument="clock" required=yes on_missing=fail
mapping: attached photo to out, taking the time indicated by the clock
7:22
